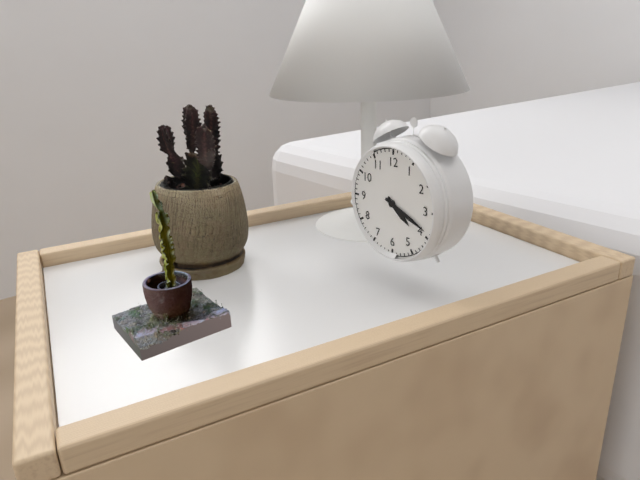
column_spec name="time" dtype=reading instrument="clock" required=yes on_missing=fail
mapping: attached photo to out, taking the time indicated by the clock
4:19
